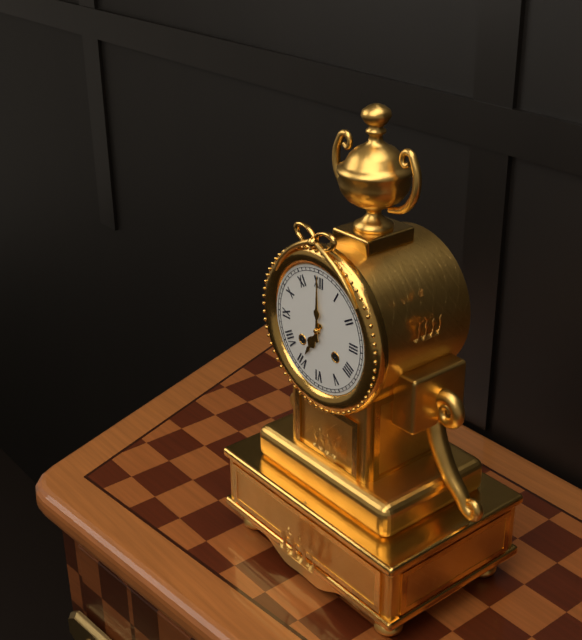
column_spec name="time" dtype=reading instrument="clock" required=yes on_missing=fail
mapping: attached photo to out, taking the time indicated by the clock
7:00
